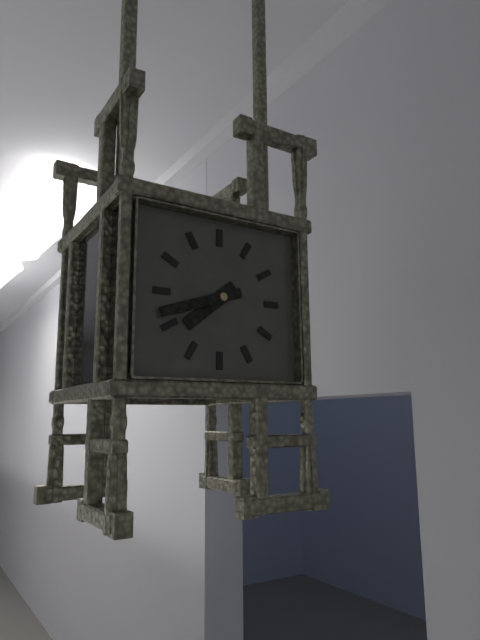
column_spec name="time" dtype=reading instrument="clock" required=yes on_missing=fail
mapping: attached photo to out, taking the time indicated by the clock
7:42
